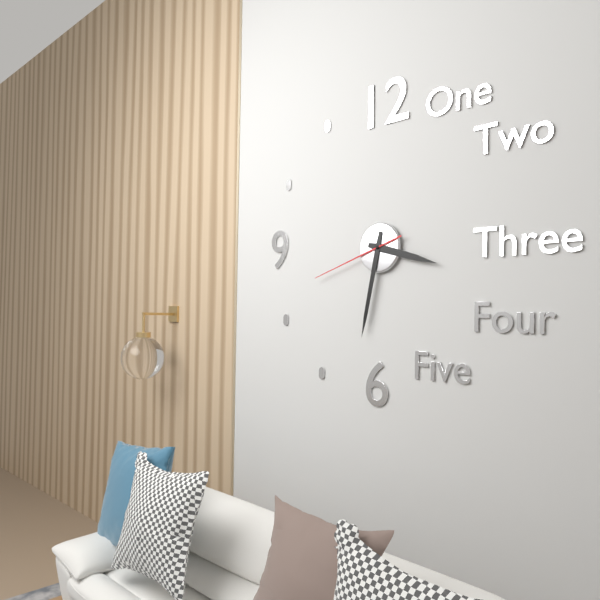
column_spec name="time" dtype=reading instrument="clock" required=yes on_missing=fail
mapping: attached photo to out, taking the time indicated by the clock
3:32:42
